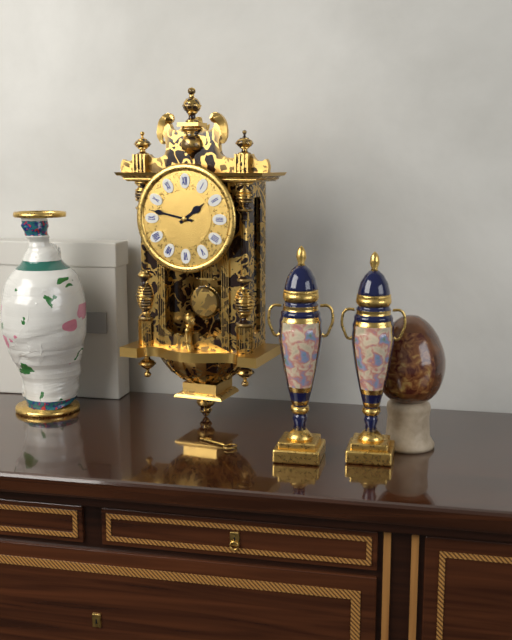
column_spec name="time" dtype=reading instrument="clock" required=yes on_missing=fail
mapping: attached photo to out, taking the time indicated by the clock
1:47
